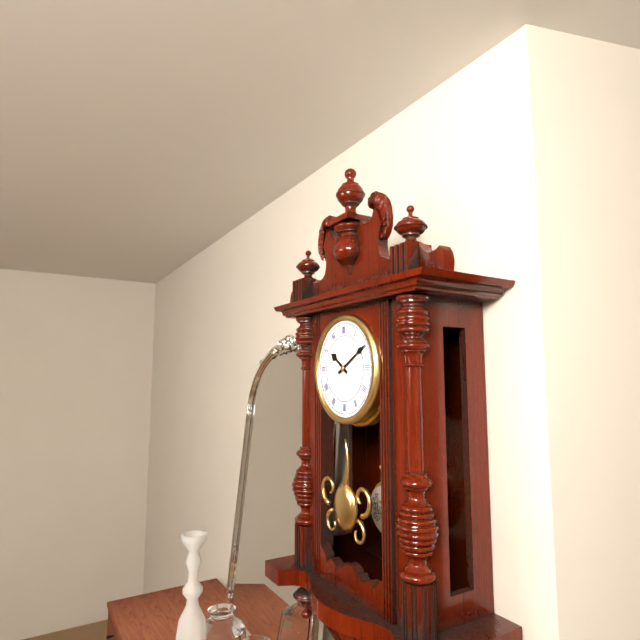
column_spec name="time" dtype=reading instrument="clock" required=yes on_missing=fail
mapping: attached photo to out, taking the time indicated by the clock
10:10
